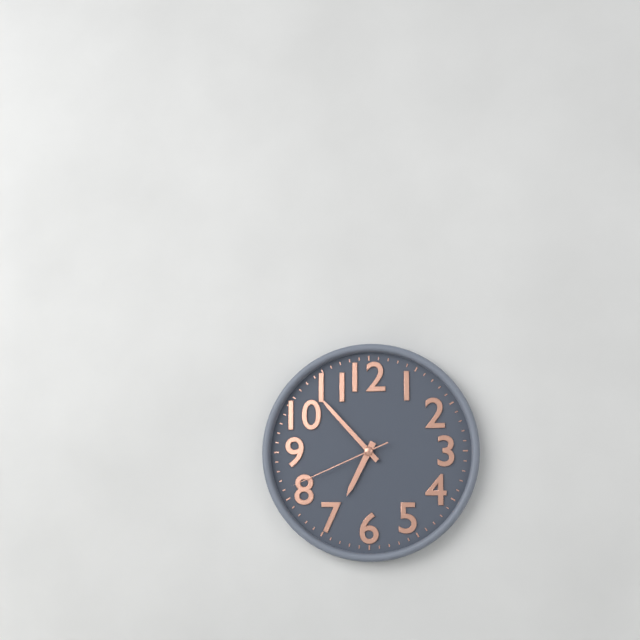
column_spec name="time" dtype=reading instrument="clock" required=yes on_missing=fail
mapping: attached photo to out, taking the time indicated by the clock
6:53:41
